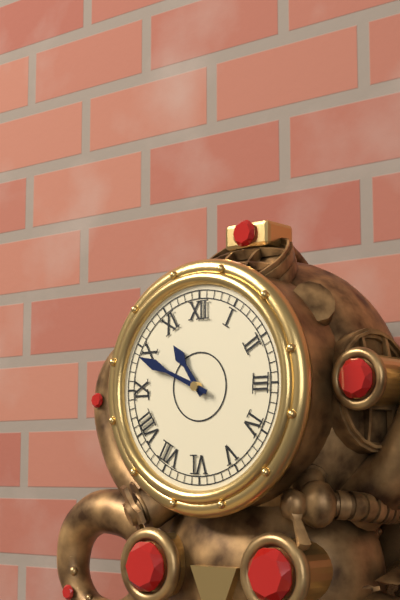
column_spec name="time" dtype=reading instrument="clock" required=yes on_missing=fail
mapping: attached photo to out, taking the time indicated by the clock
10:49
